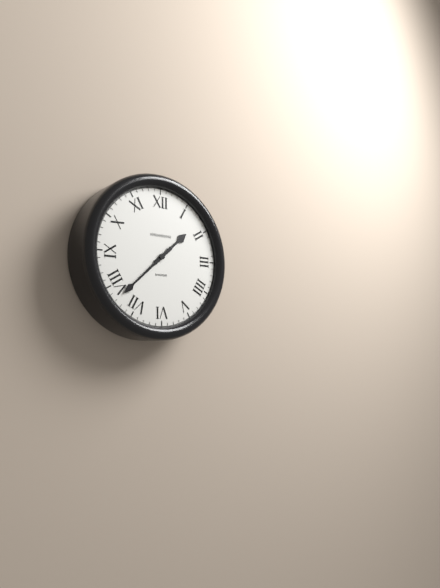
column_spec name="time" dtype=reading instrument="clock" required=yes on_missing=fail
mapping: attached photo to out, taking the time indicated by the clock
1:38
